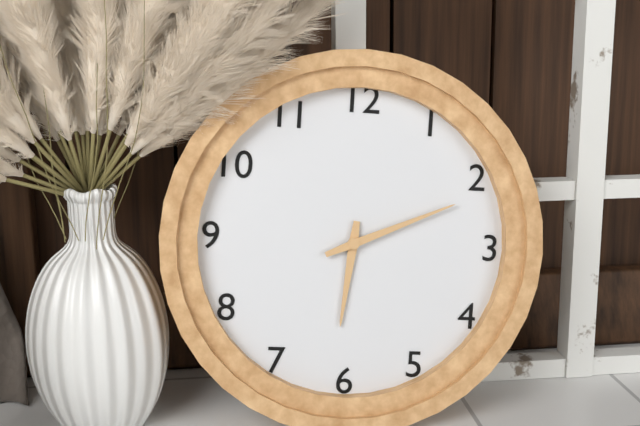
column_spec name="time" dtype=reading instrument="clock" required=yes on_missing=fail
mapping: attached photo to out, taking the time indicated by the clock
6:11
